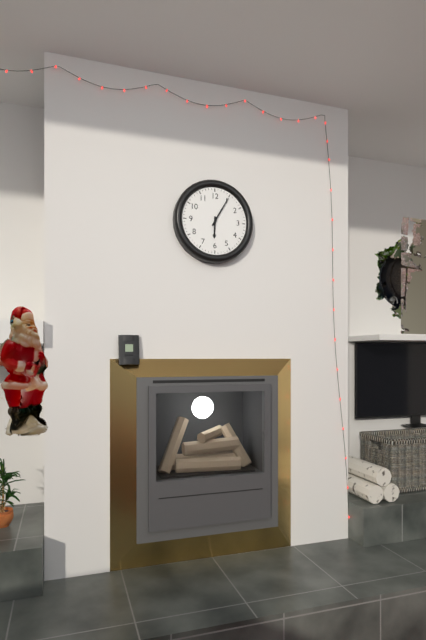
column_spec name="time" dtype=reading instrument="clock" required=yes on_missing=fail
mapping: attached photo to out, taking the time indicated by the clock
6:05
